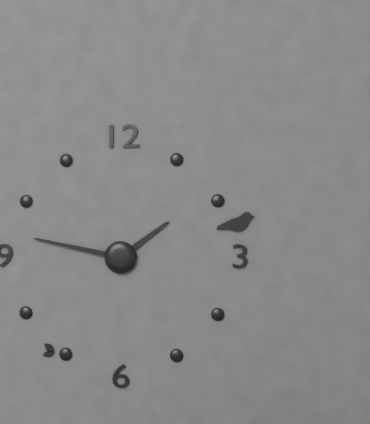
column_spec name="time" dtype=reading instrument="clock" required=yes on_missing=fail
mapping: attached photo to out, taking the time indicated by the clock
1:47
